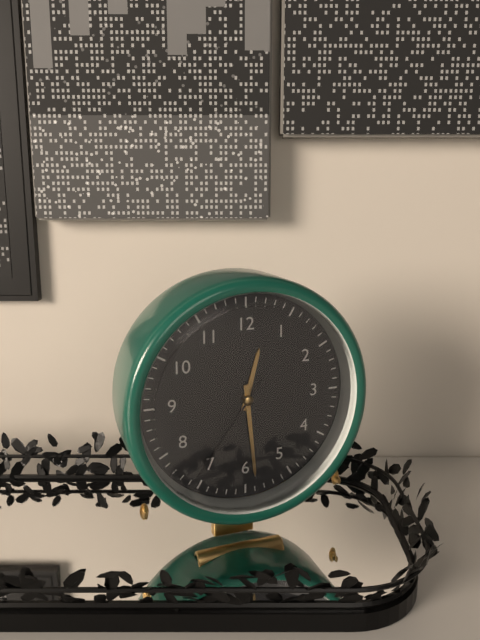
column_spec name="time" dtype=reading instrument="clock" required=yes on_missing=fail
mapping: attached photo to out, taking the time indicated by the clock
12:29:36
